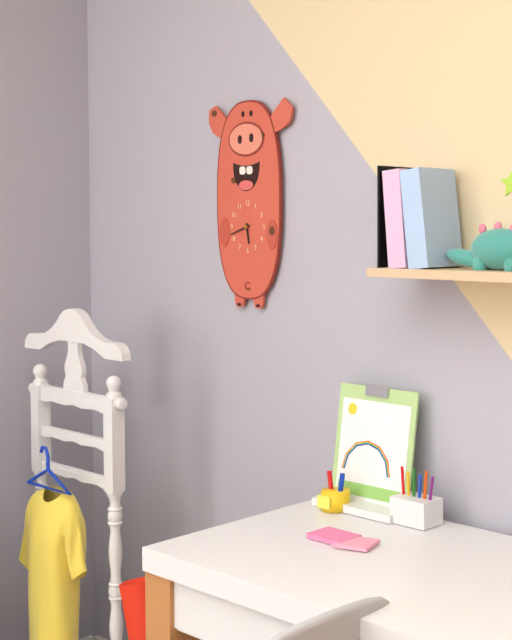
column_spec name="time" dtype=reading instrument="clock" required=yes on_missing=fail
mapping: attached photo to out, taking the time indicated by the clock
5:42
